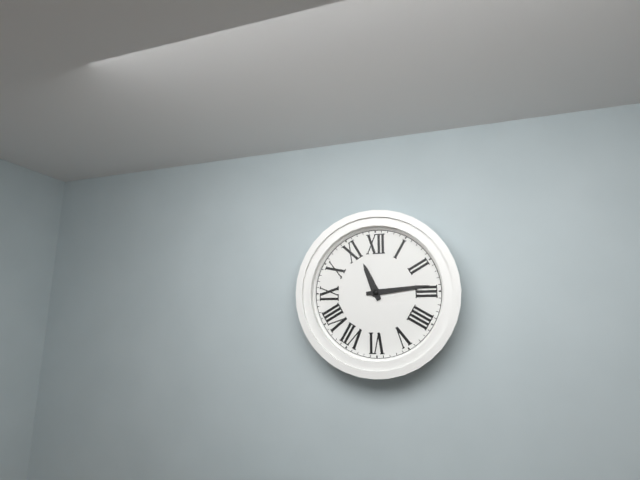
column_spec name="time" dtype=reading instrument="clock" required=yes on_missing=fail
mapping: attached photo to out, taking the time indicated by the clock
11:14
